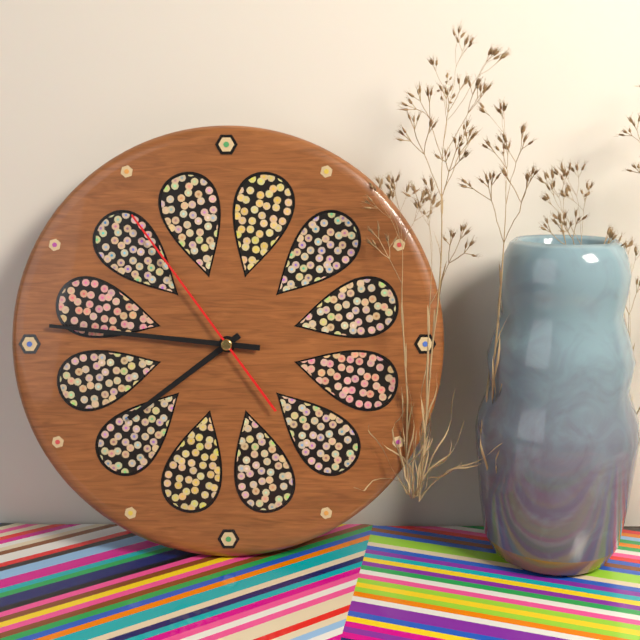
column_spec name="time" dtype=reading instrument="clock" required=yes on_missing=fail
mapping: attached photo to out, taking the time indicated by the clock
7:46:54
